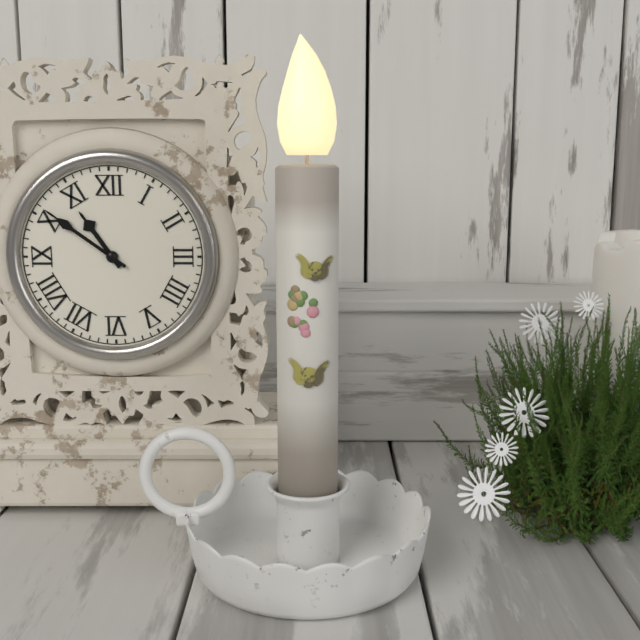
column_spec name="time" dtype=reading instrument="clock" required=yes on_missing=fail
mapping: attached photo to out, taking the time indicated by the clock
10:51
